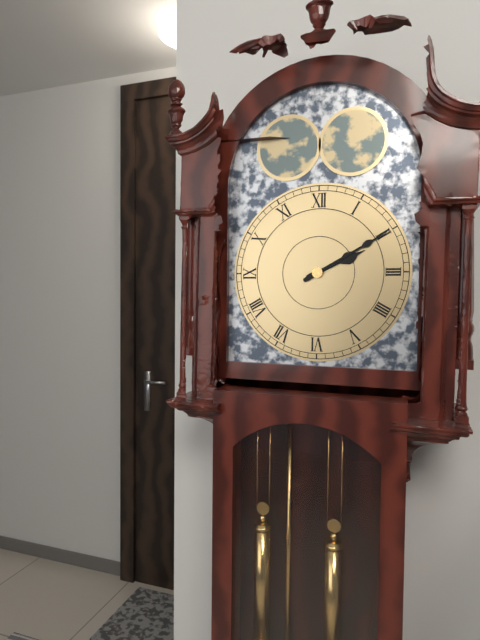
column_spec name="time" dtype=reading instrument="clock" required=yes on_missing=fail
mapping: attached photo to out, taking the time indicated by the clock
2:10
